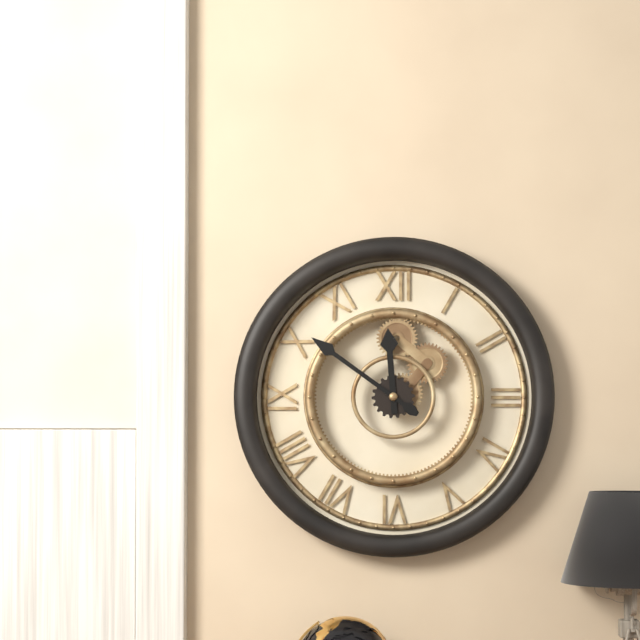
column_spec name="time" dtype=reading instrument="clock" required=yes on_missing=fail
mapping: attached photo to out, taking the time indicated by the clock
11:51
